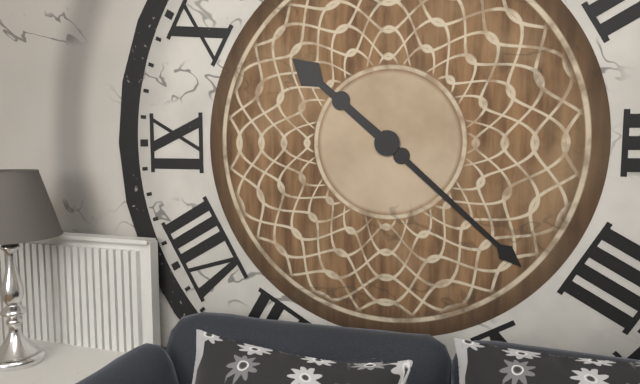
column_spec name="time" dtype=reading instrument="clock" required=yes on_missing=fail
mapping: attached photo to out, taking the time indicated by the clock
10:22
